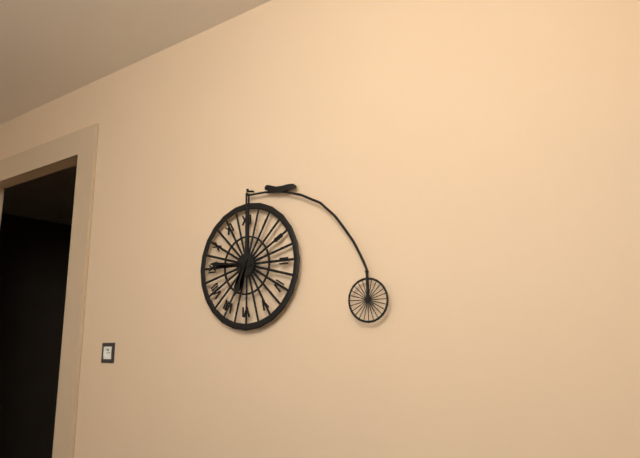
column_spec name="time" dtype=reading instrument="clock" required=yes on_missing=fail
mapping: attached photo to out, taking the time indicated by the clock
6:46
